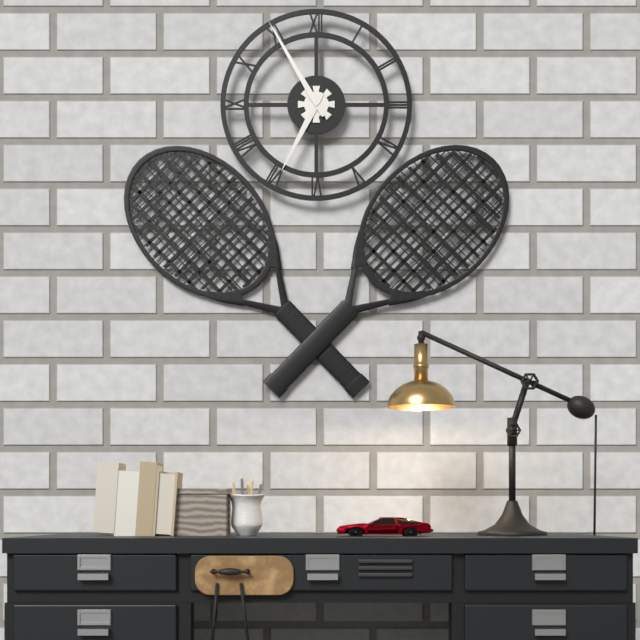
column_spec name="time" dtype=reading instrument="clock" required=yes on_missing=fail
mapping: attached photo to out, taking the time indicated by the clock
6:55
